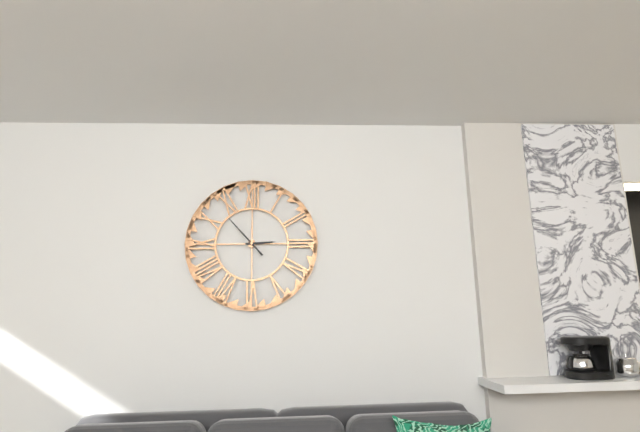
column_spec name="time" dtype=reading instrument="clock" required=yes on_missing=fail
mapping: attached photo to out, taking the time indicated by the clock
2:53
